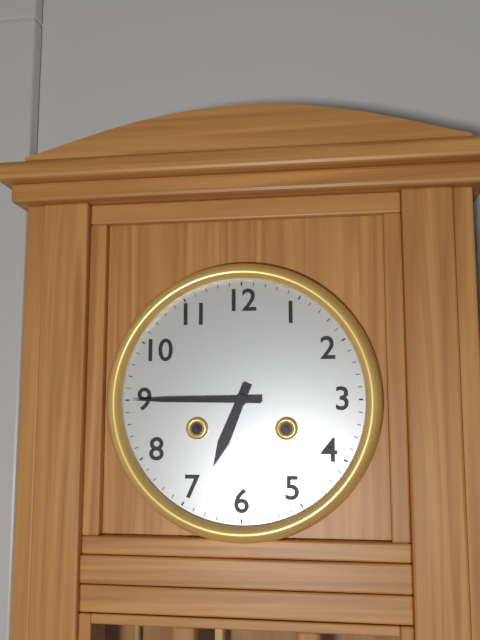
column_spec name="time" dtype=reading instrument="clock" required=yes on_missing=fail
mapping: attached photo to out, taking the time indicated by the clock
6:45
